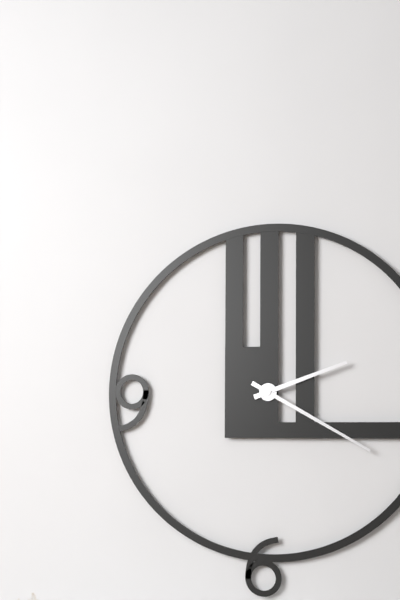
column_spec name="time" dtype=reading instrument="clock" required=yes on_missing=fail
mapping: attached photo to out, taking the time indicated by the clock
2:20
